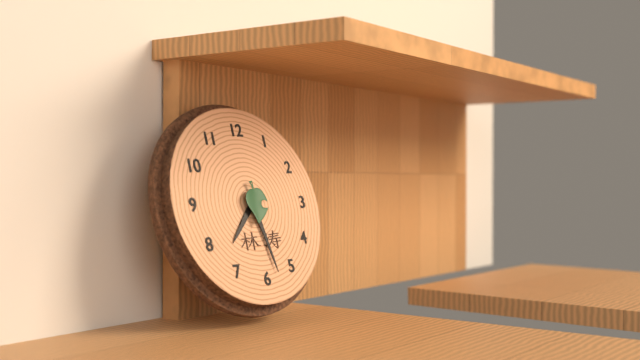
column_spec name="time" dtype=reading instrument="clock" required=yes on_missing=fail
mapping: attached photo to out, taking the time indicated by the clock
7:28
